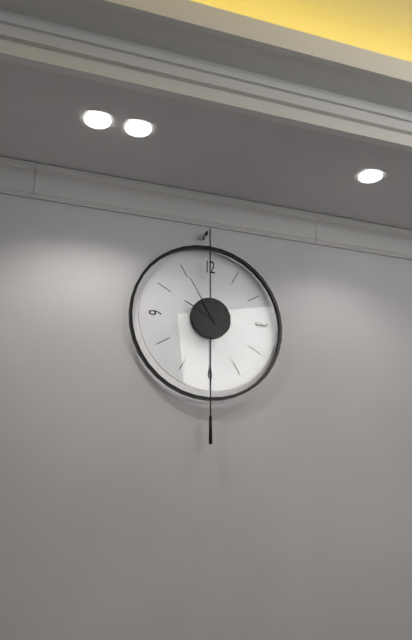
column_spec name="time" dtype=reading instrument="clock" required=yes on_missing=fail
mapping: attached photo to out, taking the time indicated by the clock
9:55
